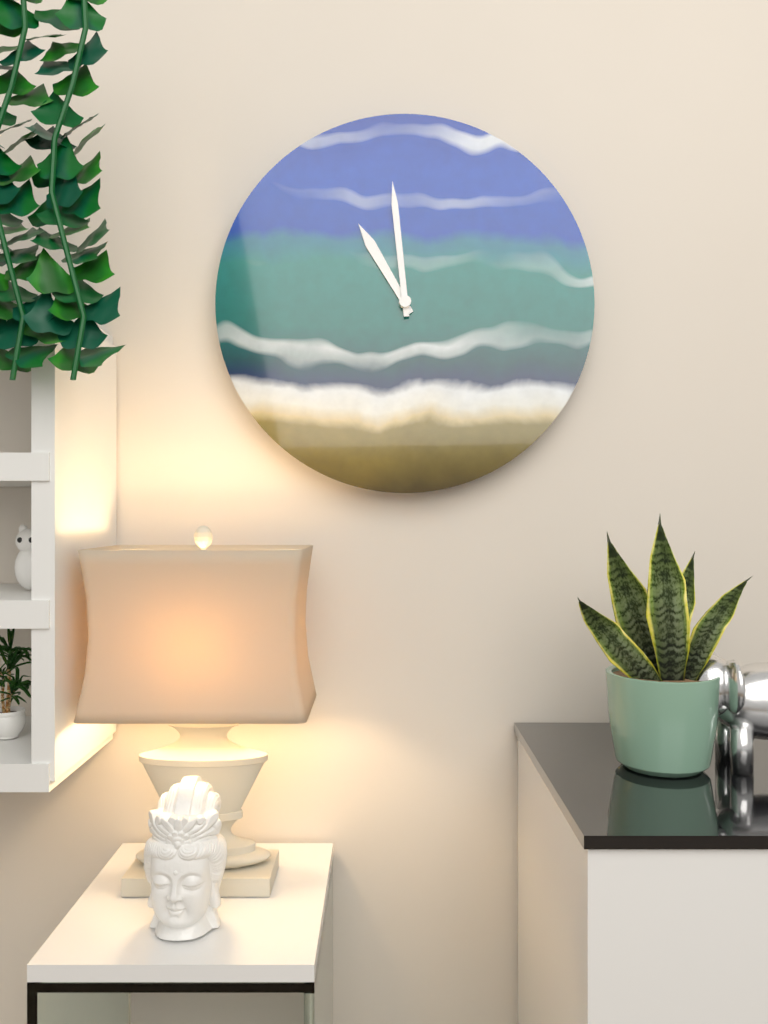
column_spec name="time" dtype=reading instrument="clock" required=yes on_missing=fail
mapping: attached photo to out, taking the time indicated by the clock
10:59
